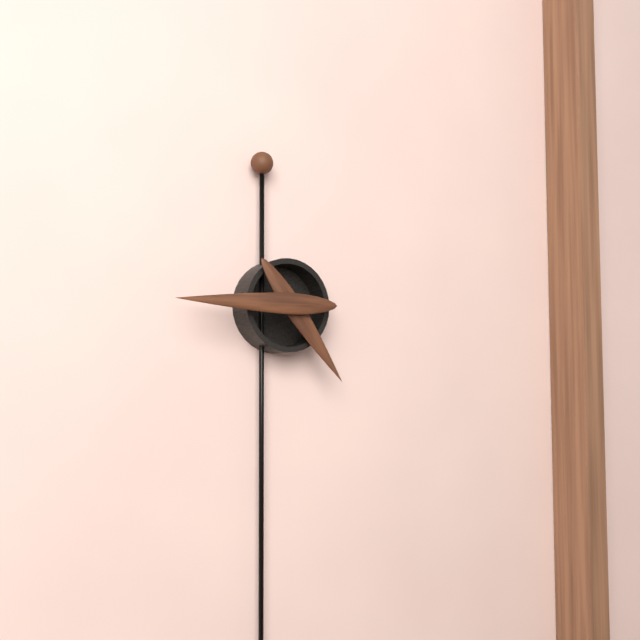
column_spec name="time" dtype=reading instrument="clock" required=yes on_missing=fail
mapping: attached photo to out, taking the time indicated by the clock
4:45
